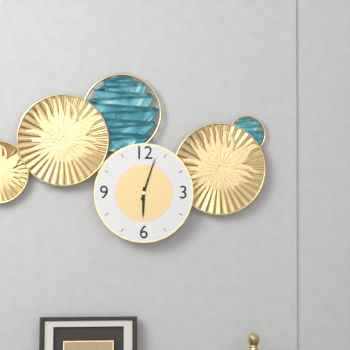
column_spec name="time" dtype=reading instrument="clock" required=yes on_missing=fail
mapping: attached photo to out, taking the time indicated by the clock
6:03
